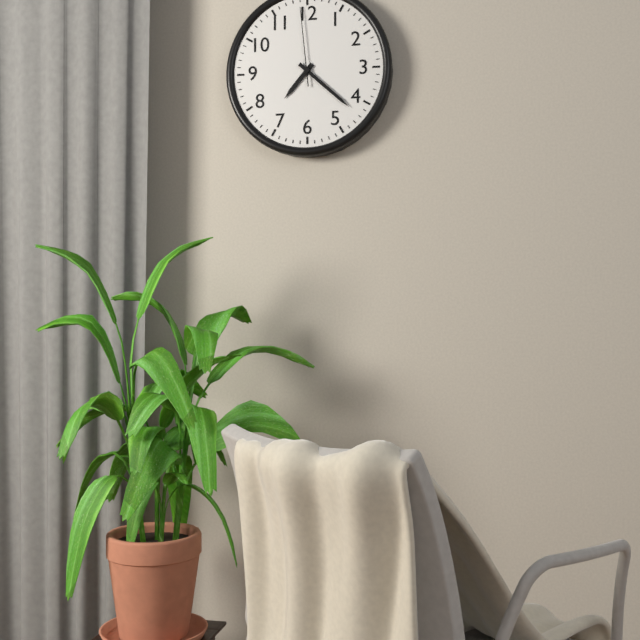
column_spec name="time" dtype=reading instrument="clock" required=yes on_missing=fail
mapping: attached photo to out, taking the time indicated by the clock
7:22:59
